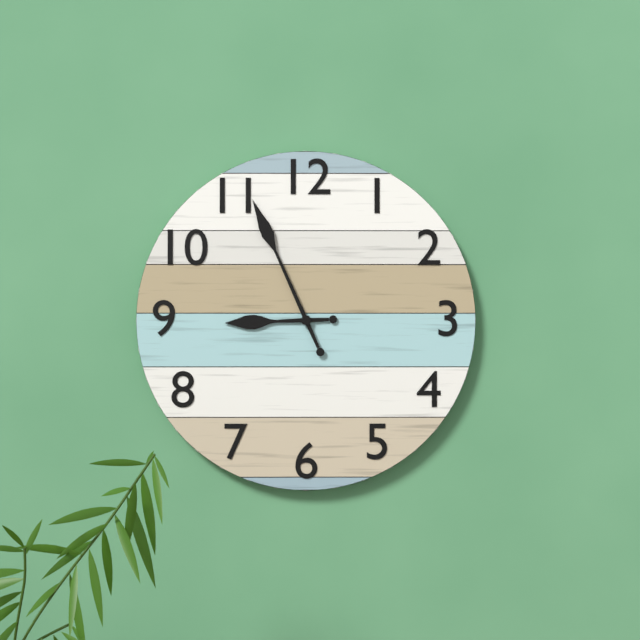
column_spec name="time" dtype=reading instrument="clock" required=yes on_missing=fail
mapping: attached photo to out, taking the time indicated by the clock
8:56
